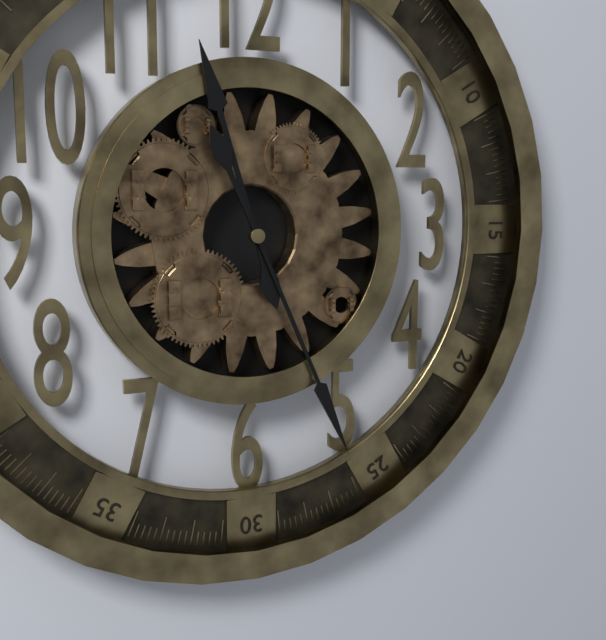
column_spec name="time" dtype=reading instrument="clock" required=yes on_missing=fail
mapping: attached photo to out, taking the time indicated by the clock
11:26
